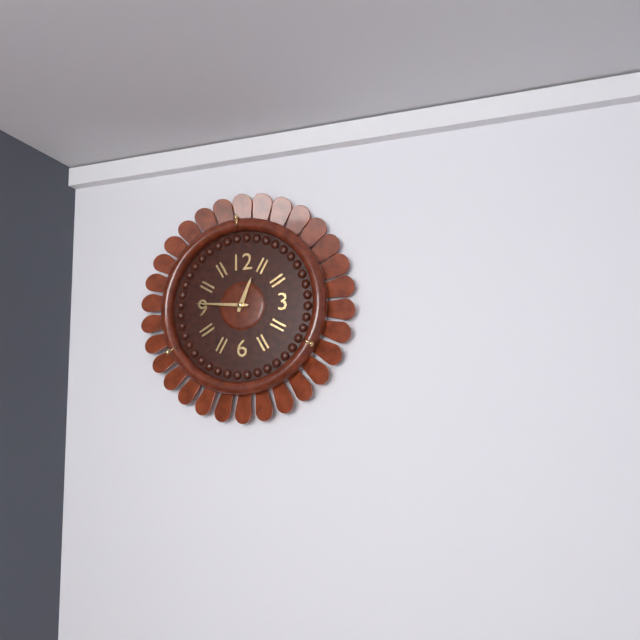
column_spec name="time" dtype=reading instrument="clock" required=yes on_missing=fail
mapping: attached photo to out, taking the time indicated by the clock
12:46
